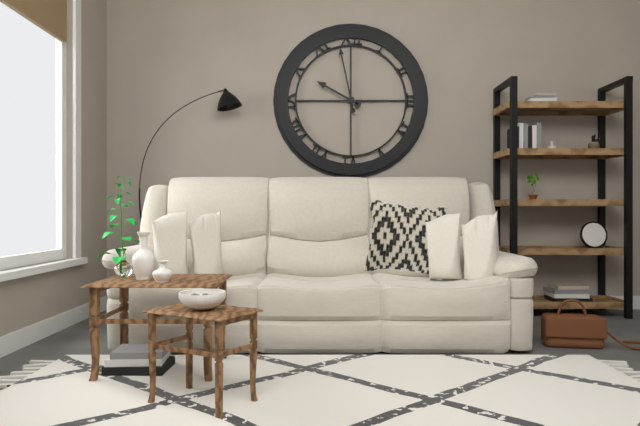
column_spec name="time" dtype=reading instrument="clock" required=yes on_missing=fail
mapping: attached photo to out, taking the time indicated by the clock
9:58
